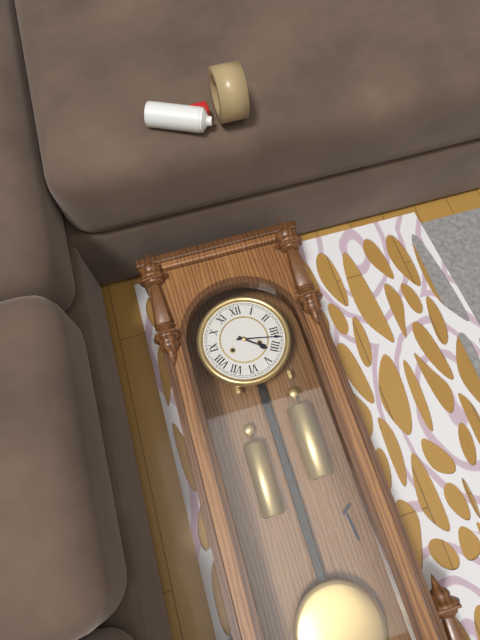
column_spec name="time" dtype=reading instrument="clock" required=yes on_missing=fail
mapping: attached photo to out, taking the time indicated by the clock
4:17
